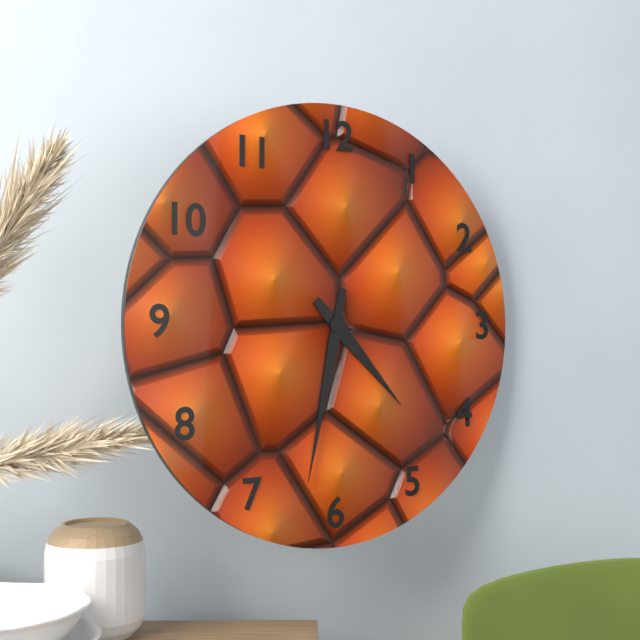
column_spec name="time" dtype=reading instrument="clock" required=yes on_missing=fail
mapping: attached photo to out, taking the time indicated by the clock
4:32
